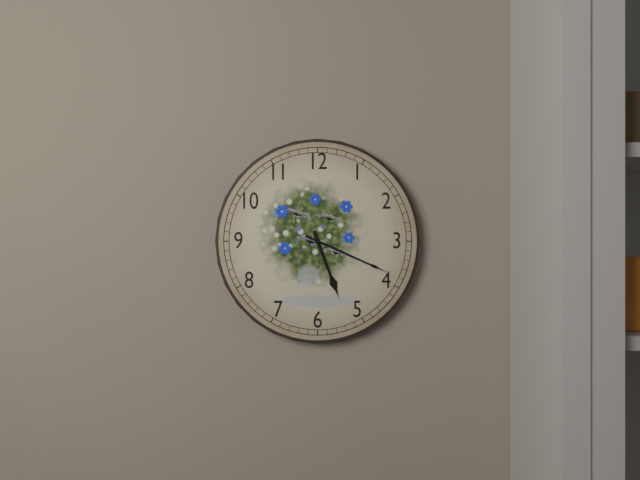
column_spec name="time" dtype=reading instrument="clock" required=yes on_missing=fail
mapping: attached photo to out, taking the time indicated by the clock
5:19
